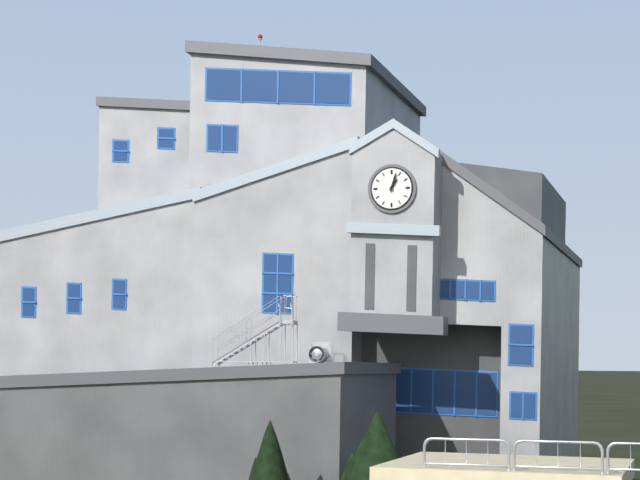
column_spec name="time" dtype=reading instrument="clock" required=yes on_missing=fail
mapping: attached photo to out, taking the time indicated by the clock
1:03
